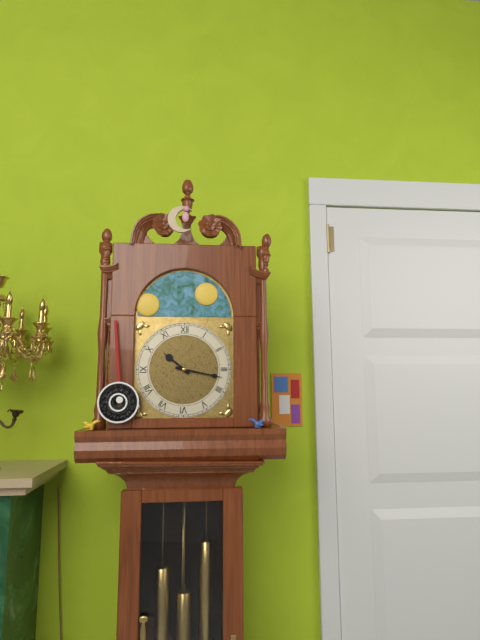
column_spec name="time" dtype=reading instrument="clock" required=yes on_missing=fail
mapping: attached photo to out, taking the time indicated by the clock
10:17
